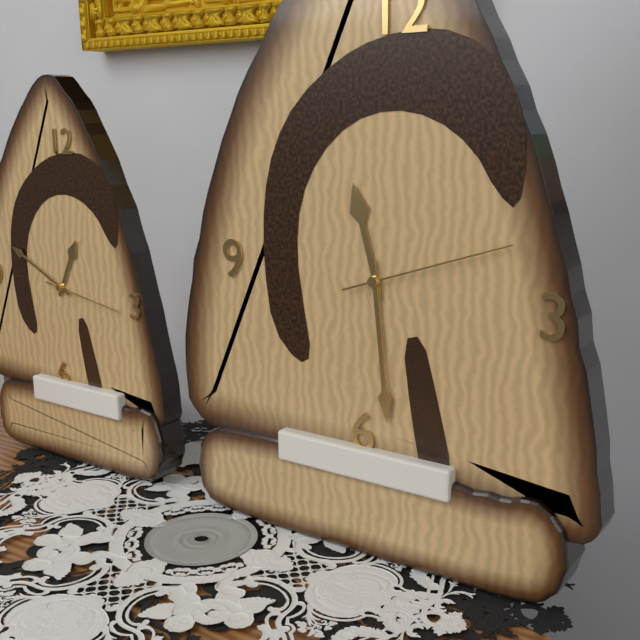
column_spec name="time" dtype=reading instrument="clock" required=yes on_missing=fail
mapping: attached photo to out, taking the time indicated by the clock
11:29:12
